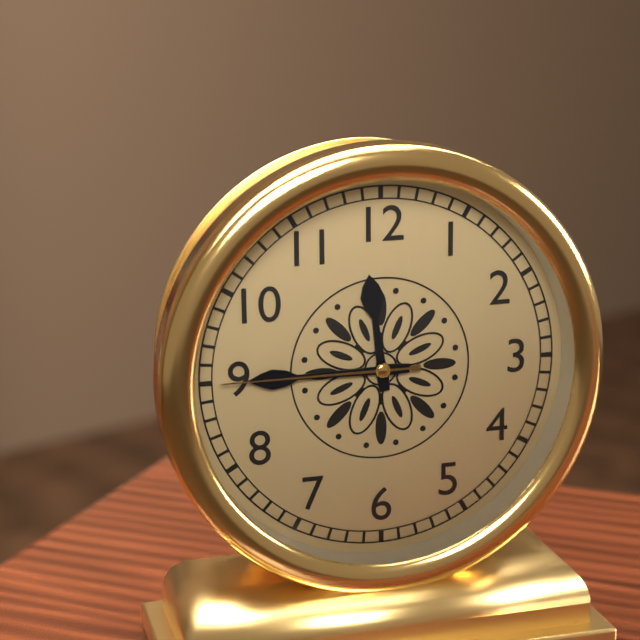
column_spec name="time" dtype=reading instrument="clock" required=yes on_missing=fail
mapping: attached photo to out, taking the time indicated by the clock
11:45:45
